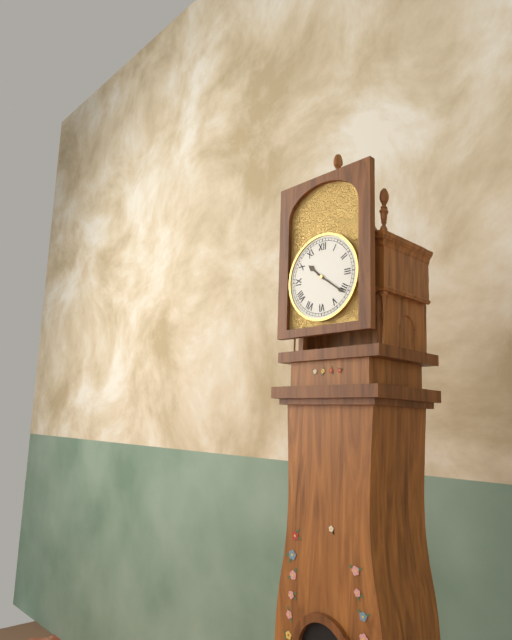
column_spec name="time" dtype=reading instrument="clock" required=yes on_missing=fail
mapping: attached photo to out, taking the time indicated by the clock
10:21
